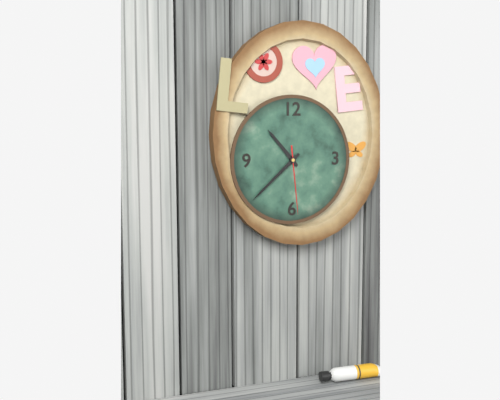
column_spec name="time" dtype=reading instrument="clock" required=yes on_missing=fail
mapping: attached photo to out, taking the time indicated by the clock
10:38:29
